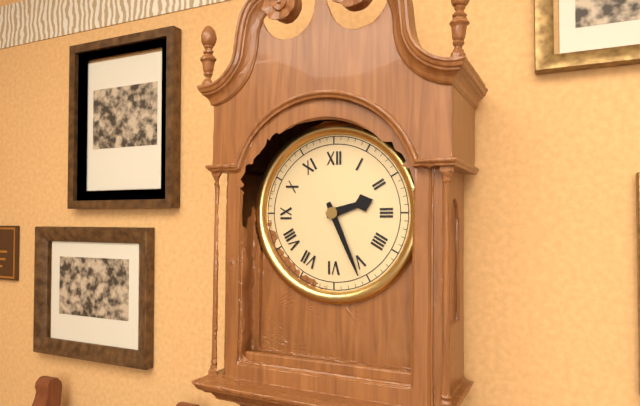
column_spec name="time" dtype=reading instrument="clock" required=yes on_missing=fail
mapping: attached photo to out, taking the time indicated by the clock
2:26
